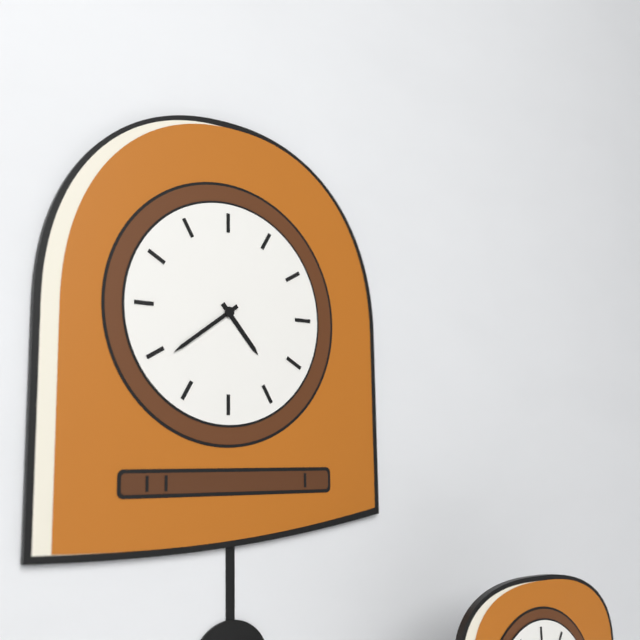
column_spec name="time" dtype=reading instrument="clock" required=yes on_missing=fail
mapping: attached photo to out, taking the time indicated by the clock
4:39
